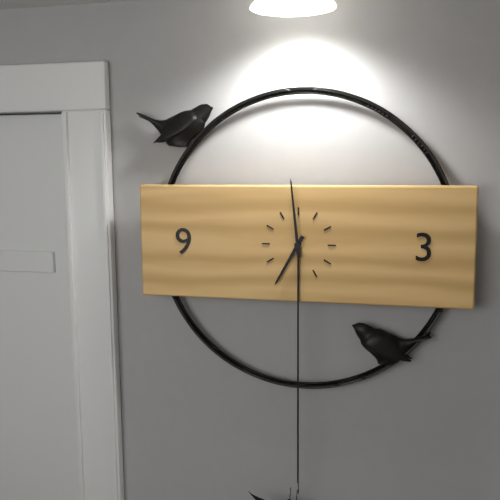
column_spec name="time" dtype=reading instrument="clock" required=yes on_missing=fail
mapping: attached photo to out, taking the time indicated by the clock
6:59
